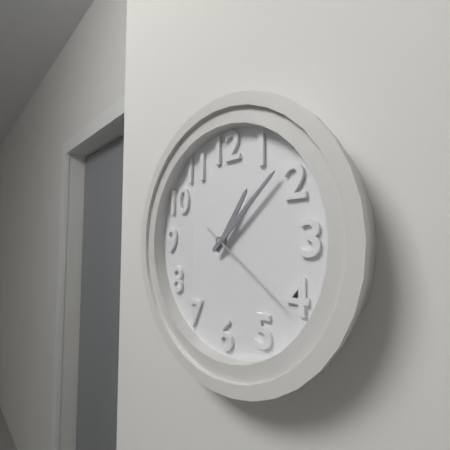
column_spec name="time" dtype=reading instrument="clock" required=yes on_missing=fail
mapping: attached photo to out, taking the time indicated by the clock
1:08:21
